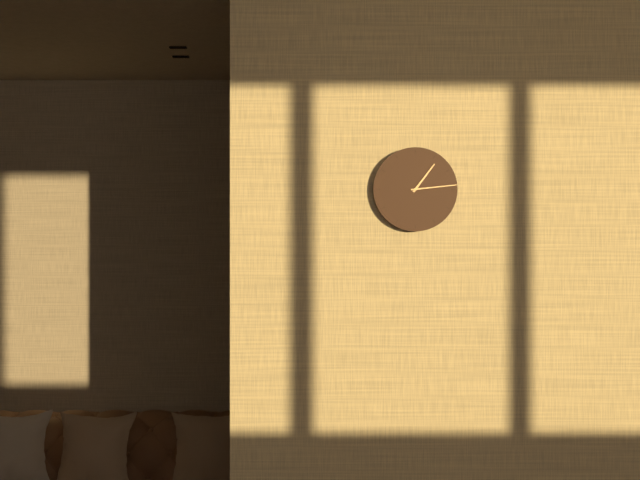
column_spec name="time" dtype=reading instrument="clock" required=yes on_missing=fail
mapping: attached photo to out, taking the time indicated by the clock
1:14
